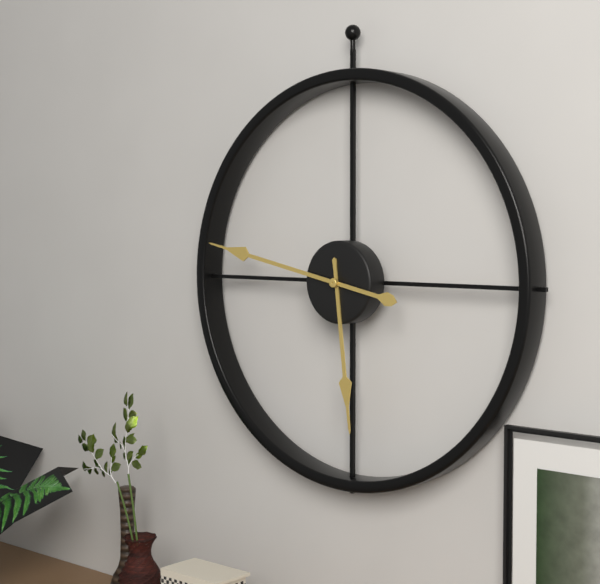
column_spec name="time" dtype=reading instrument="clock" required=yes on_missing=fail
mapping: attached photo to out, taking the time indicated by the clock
5:47
